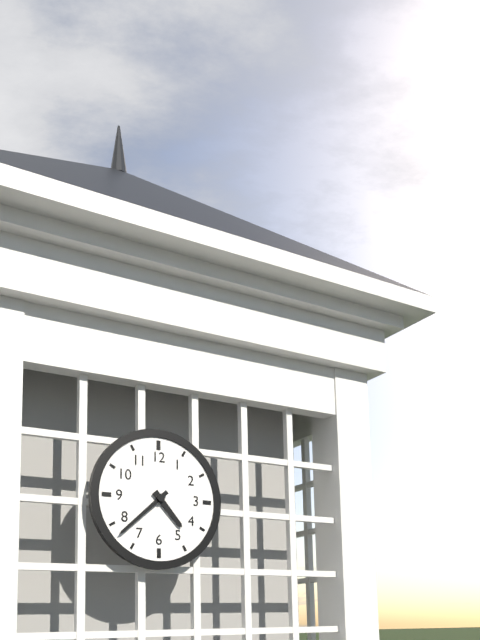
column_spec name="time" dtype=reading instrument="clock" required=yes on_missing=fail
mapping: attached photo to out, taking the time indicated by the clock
4:38
